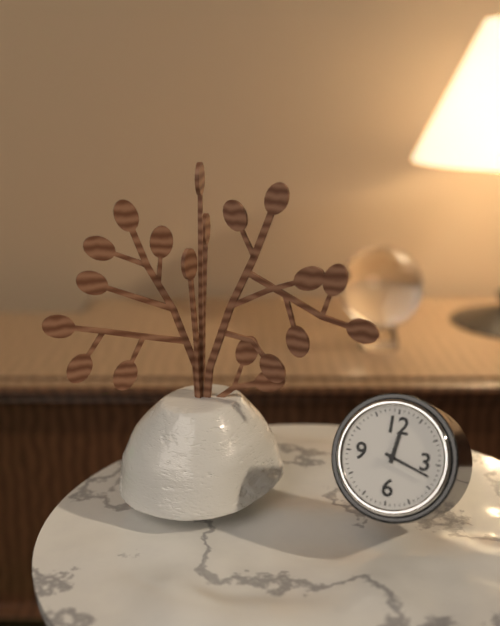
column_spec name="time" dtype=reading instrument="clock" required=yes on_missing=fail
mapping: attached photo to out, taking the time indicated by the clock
12:18
